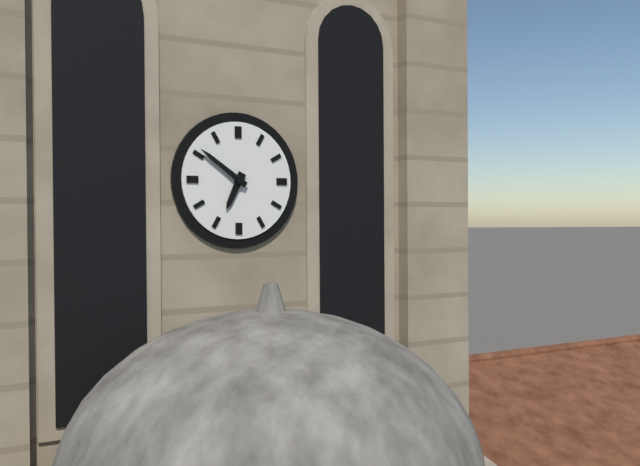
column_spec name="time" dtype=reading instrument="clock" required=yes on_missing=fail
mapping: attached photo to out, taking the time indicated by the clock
6:51
